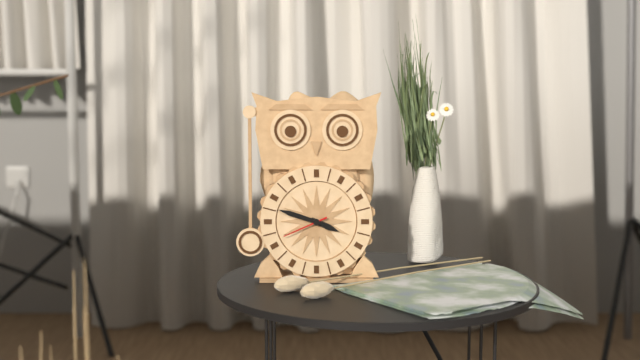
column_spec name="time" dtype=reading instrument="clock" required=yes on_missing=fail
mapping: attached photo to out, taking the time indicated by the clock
3:48
